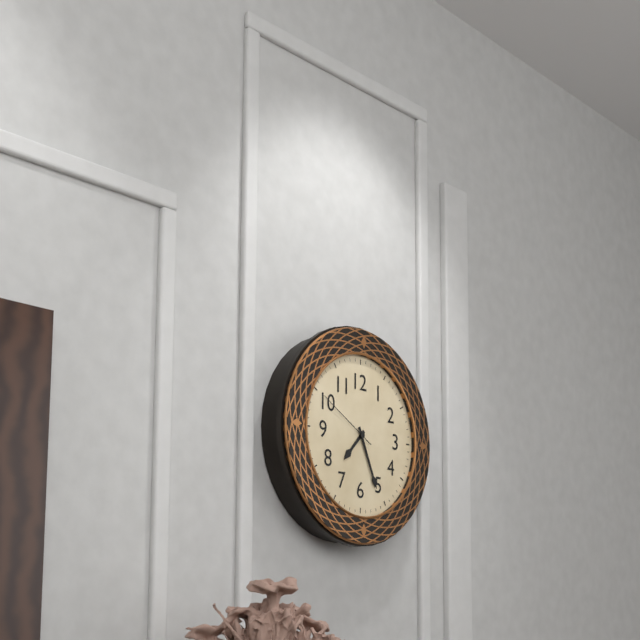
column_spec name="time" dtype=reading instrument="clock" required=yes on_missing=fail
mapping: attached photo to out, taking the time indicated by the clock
7:26:50
